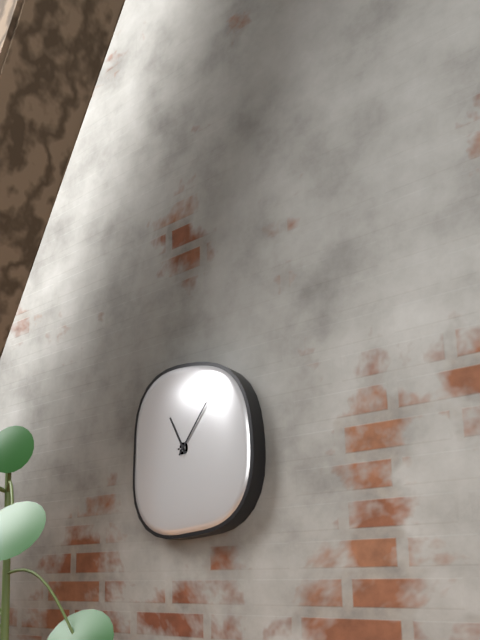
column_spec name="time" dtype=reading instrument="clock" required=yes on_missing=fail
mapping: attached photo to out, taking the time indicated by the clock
11:06
